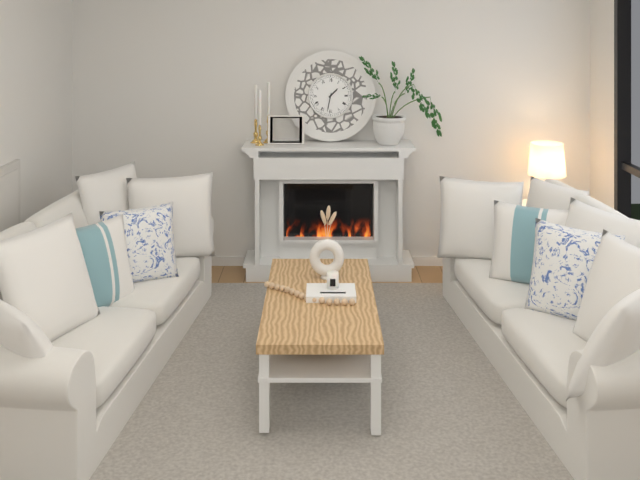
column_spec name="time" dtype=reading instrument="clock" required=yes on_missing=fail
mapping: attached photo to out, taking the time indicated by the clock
1:32
